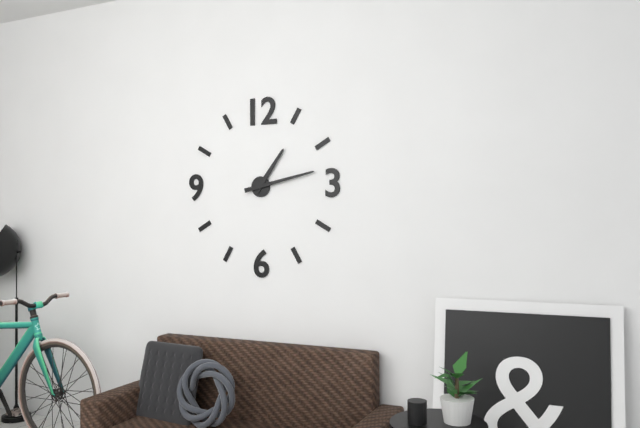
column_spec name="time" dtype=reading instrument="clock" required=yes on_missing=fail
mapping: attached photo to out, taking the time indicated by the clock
1:13
